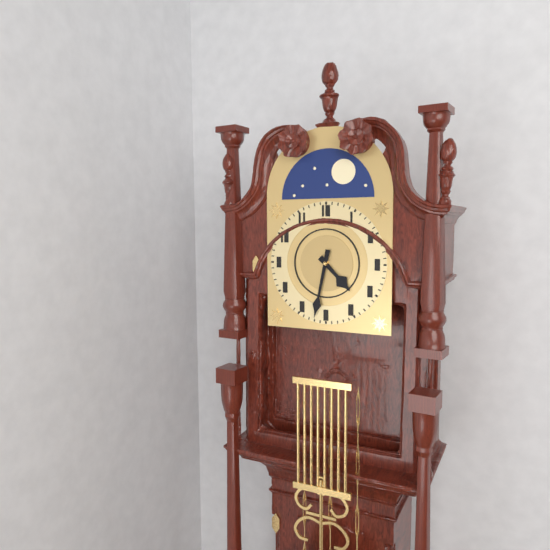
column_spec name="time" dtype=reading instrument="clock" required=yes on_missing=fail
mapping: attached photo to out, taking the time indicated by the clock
4:32
